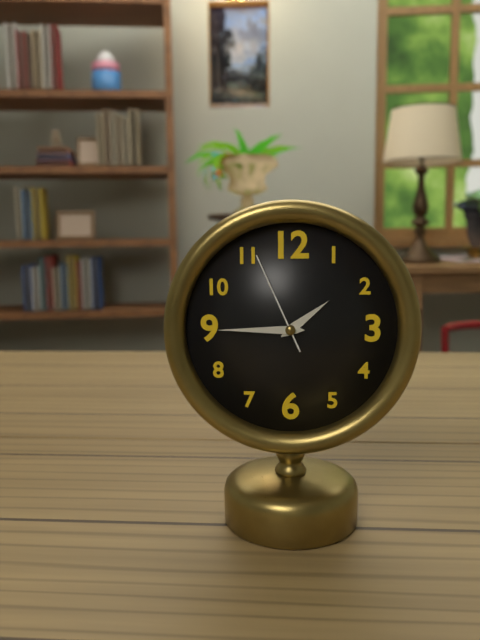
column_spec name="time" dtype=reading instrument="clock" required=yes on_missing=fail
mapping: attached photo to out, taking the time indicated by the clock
1:45:56
